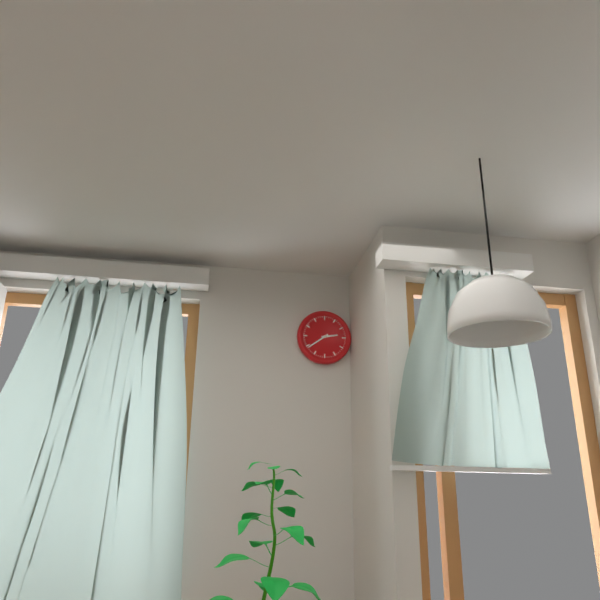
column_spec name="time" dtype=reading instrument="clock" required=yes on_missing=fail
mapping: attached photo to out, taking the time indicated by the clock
2:39
